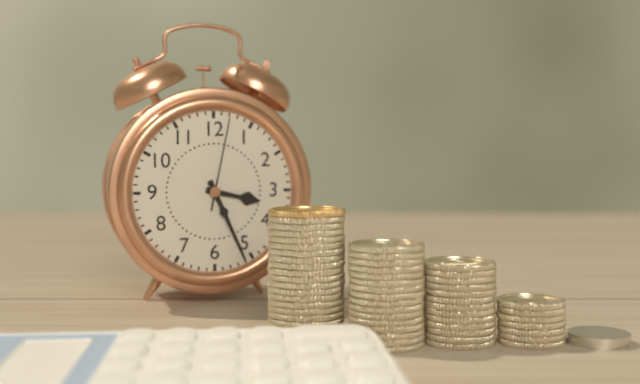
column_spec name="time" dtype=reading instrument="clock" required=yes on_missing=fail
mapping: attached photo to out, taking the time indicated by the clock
3:26:02
